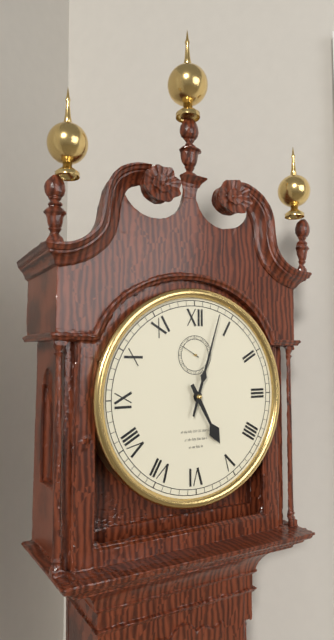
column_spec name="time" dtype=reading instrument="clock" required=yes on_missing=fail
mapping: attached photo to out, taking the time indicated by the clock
5:03
